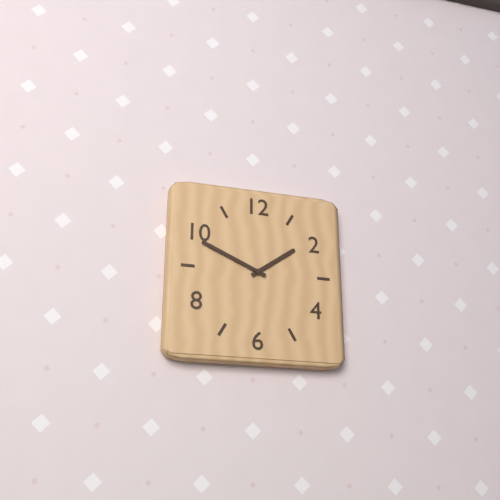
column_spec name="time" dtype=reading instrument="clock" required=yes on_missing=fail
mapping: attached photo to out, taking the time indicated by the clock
1:49
